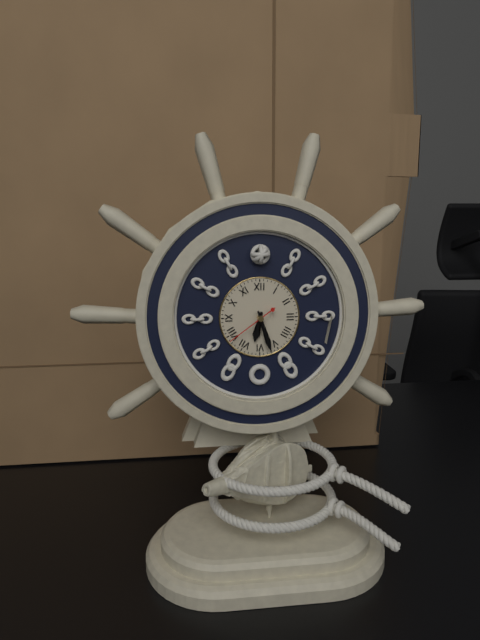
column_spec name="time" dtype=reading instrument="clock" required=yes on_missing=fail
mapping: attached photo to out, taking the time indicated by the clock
6:27
